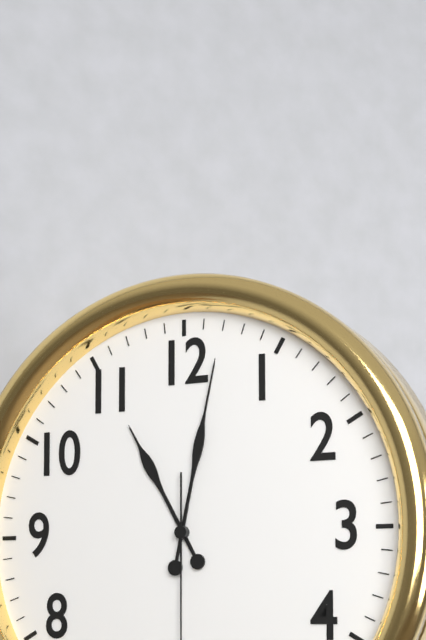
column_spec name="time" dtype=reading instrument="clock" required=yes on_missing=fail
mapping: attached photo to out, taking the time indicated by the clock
11:02
